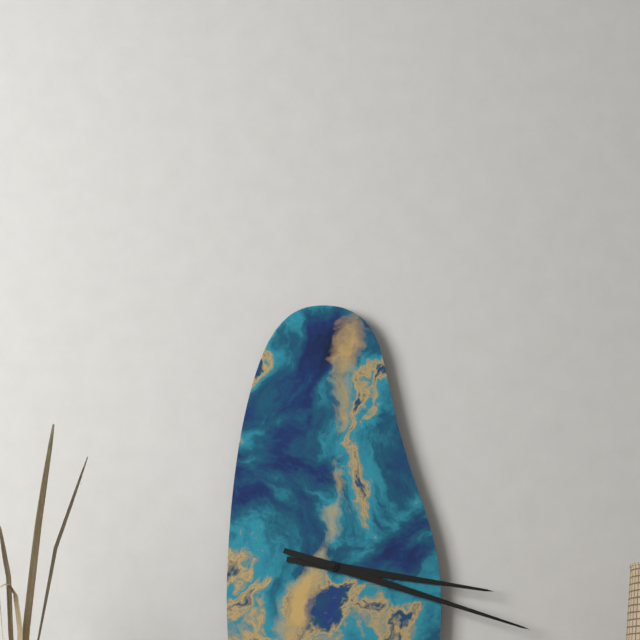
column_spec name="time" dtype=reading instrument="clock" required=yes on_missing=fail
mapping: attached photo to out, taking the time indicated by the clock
3:18
